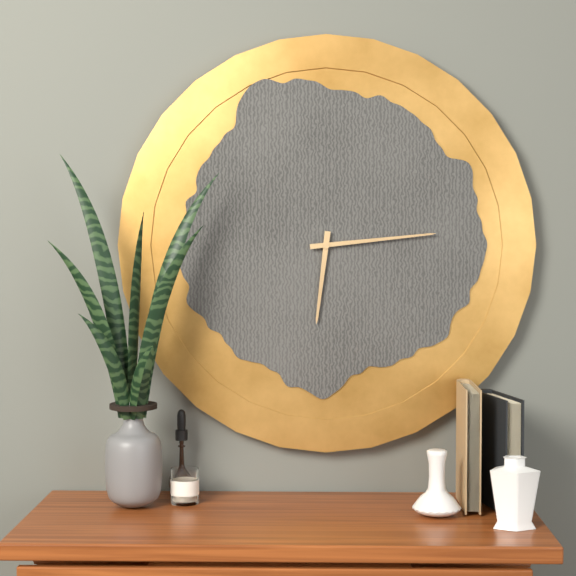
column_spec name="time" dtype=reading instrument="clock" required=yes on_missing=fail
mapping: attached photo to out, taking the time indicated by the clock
6:14
